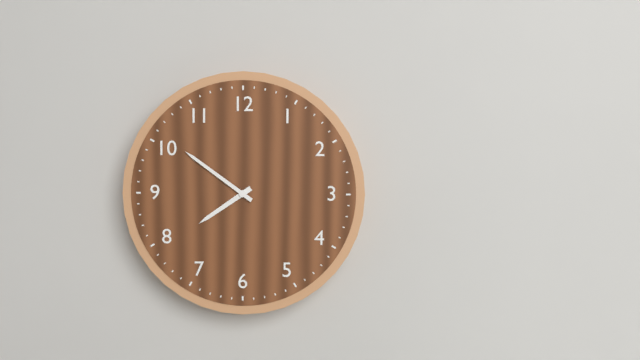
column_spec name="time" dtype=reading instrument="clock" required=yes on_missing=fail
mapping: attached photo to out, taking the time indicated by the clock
7:51
